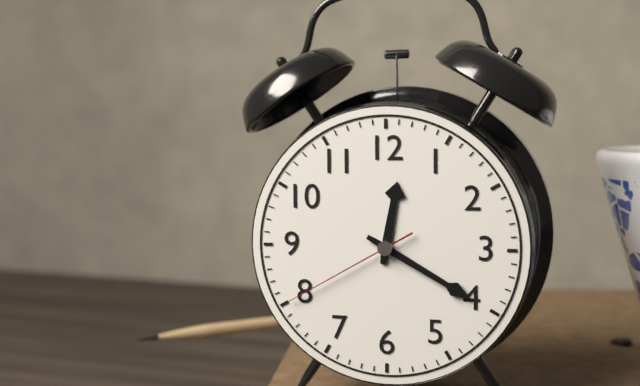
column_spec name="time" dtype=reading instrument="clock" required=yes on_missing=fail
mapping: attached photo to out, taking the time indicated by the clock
12:20:40
